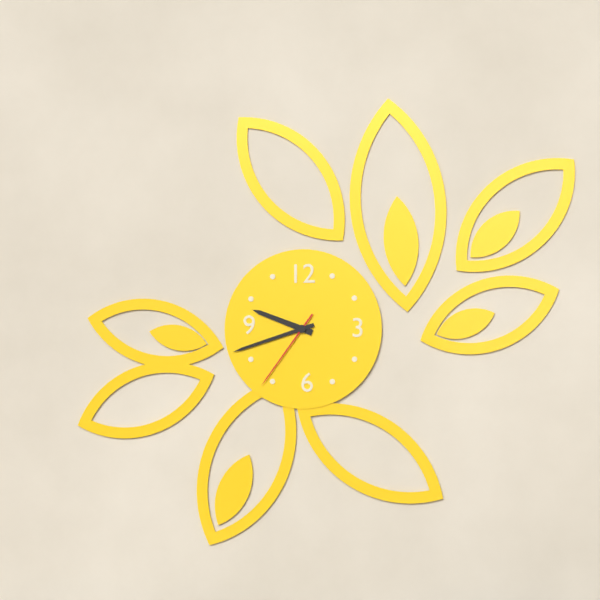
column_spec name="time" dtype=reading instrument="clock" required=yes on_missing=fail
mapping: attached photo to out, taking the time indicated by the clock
9:42:36
